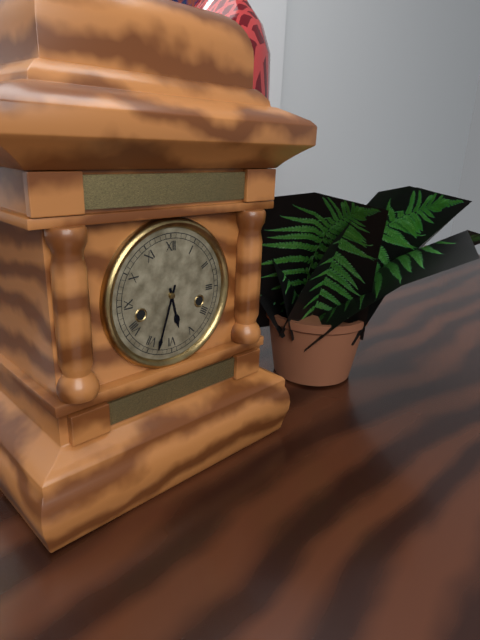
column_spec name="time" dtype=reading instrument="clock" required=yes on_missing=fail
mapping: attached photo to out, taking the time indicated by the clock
5:33
